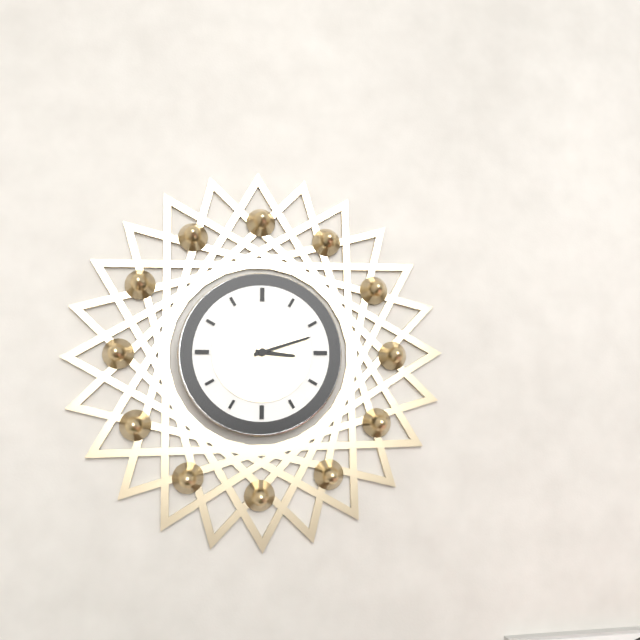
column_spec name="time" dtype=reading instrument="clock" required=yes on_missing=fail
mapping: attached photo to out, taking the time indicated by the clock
3:12
